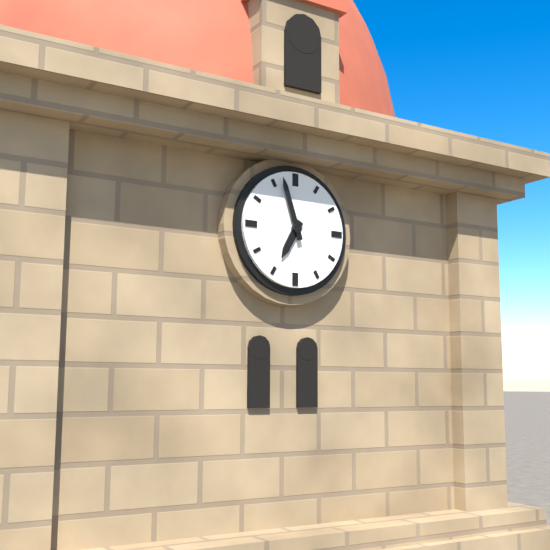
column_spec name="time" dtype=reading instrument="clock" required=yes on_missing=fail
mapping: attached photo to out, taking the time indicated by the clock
6:57
